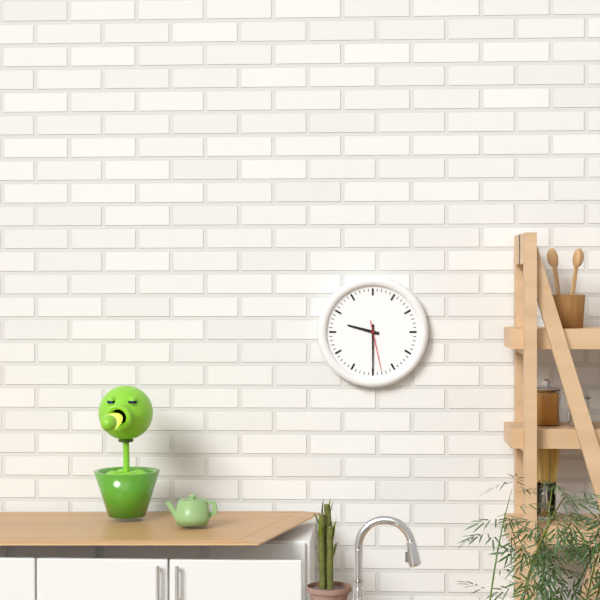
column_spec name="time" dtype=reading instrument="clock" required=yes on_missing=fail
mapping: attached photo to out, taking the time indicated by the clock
9:30:28
